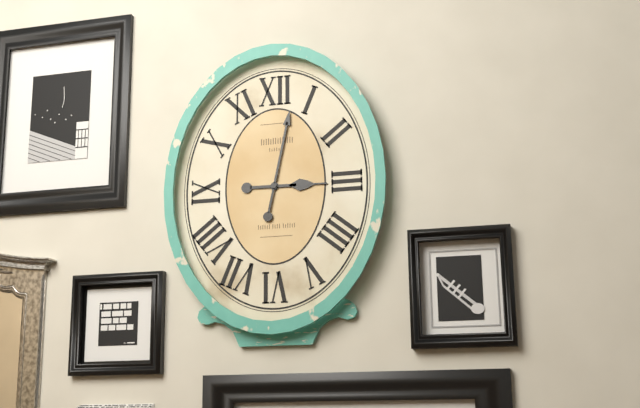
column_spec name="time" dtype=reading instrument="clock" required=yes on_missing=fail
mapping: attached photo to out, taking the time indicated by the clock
3:02
